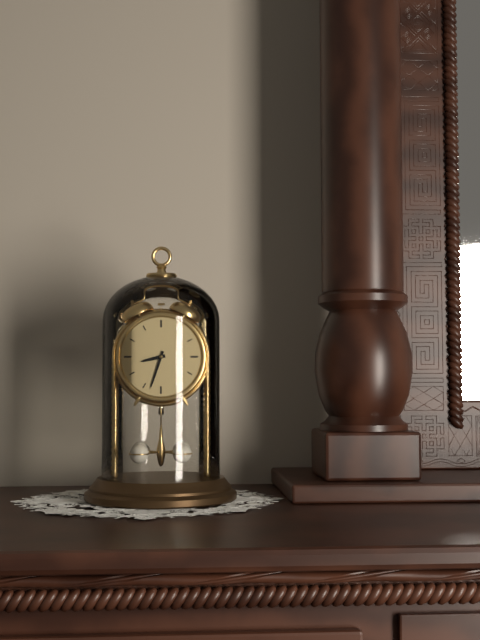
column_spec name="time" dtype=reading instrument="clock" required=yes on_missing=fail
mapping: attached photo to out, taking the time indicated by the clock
8:33
